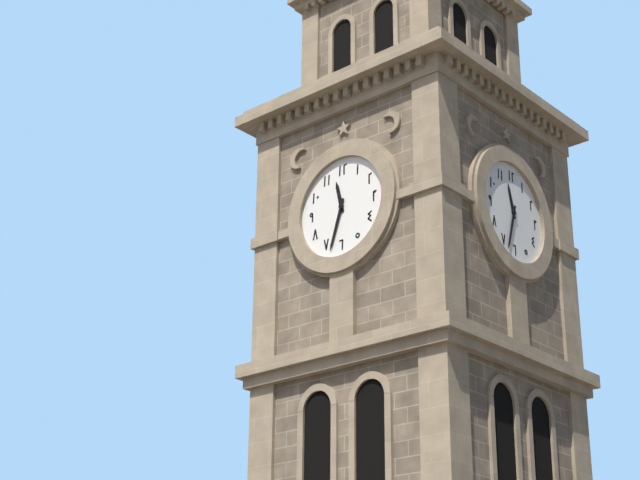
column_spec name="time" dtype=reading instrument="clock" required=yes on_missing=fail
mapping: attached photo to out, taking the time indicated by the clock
11:33
